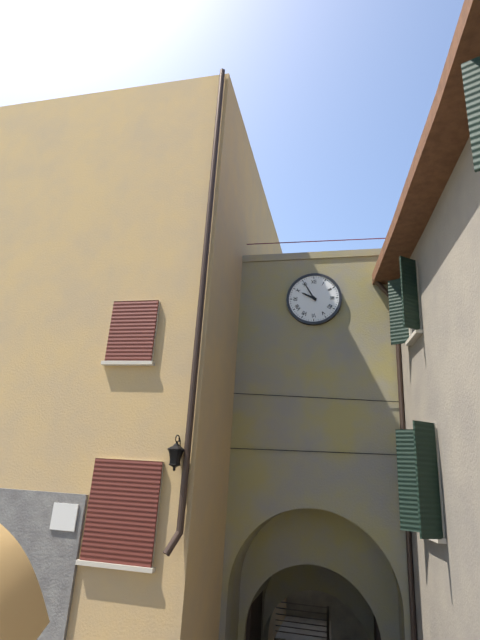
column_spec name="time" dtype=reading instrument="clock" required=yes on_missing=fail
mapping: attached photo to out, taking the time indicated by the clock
9:55
